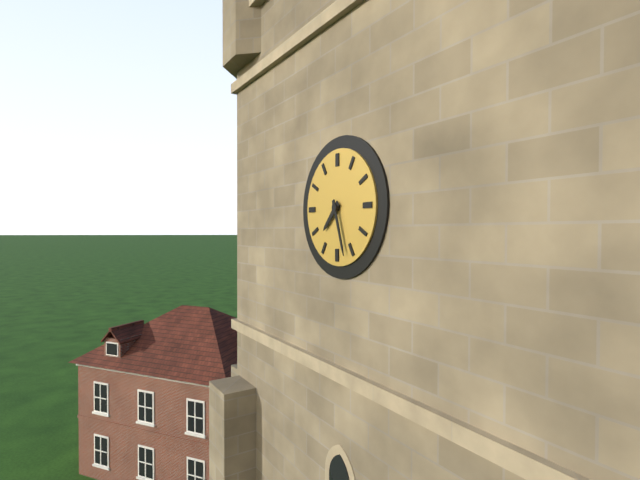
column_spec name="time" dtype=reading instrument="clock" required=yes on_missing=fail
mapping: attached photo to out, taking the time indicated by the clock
7:27
